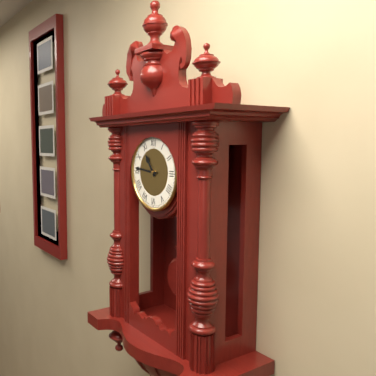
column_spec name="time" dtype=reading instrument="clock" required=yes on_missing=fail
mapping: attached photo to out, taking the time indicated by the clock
10:46
